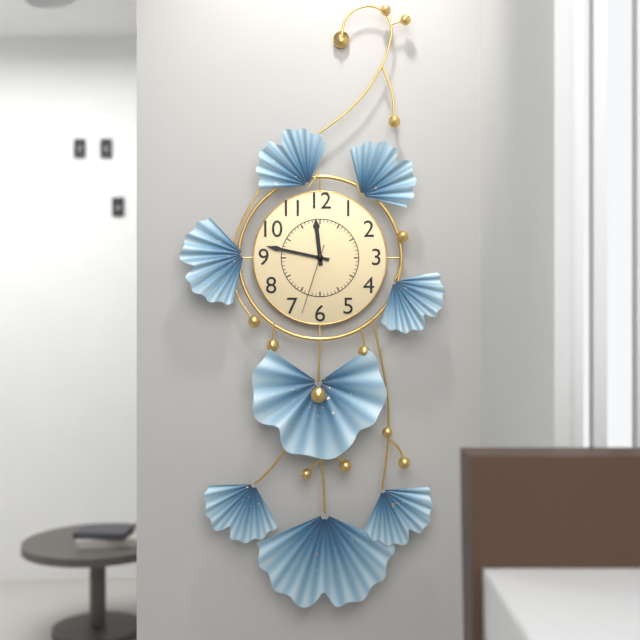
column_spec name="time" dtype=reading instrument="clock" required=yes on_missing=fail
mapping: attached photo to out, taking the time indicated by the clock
11:47:33
